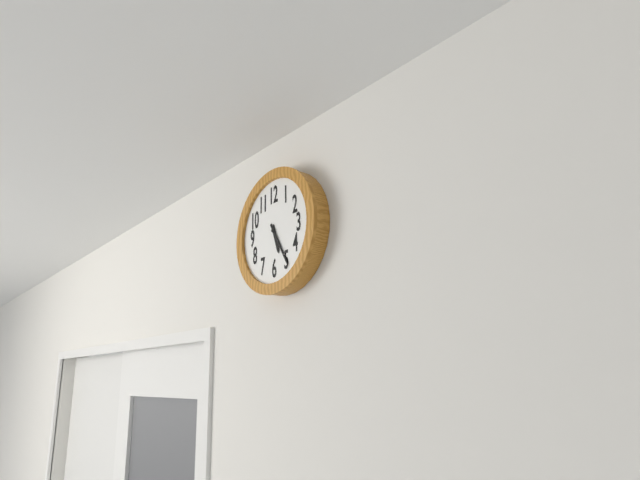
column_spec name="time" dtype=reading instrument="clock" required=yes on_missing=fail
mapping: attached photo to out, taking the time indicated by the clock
5:25
